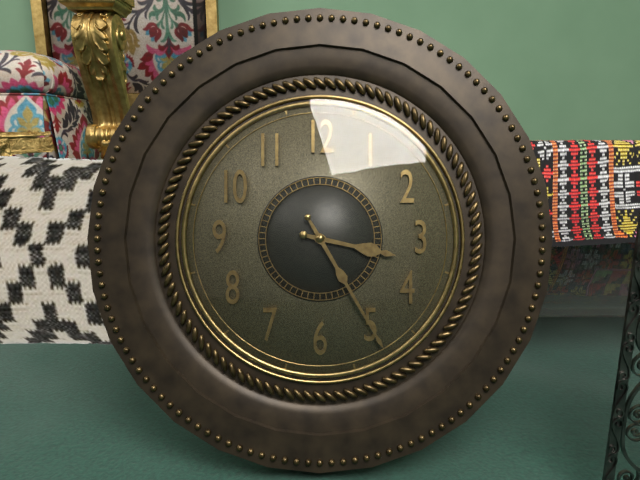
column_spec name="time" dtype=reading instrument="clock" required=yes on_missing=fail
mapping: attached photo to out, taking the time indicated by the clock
3:25
